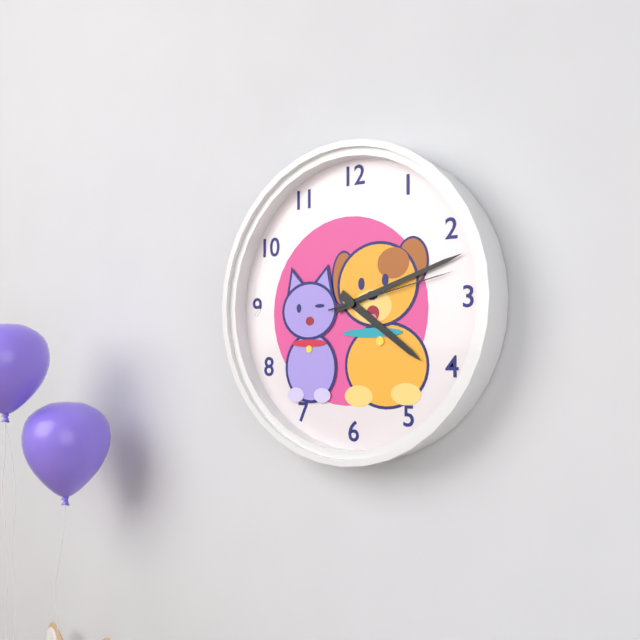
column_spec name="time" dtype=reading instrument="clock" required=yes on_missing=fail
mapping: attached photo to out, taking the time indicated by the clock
4:12:13
